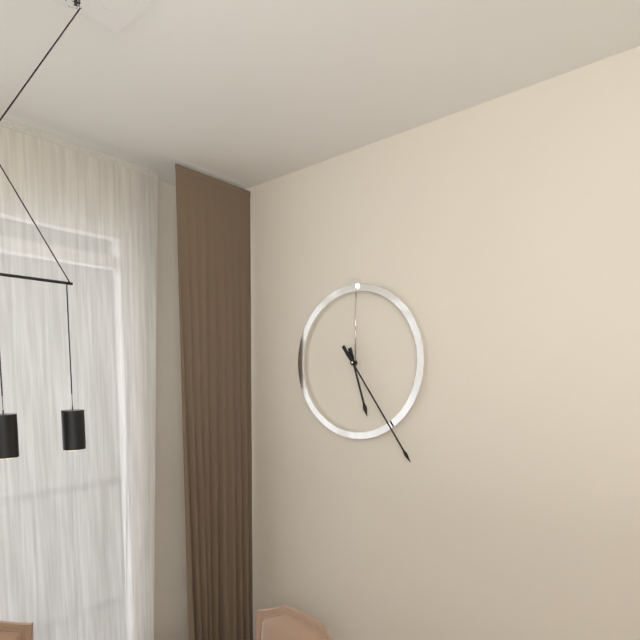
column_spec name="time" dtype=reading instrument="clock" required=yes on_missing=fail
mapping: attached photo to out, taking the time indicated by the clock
5:24
